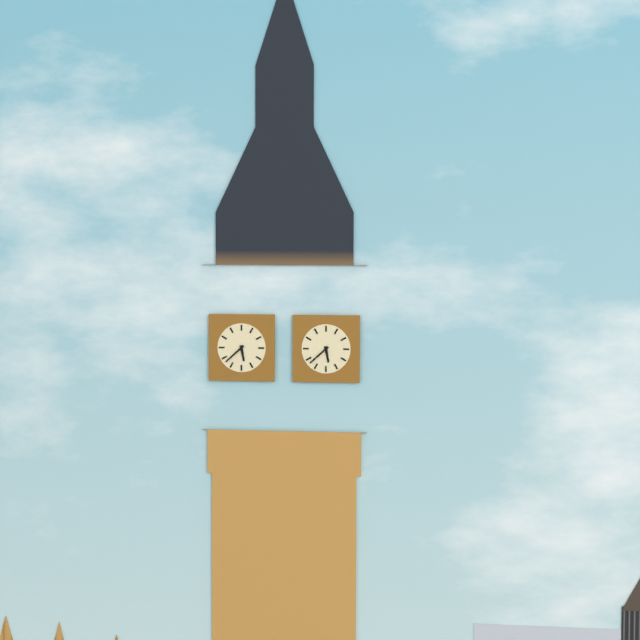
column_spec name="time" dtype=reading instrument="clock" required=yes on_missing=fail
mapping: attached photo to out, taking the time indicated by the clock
5:38
